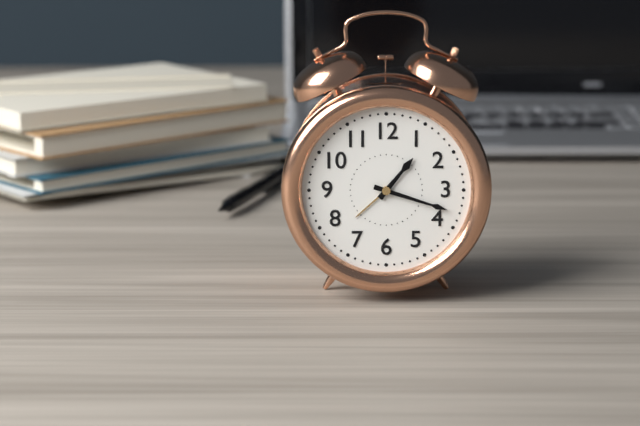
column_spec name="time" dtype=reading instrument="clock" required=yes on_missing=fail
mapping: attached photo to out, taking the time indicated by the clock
1:18
